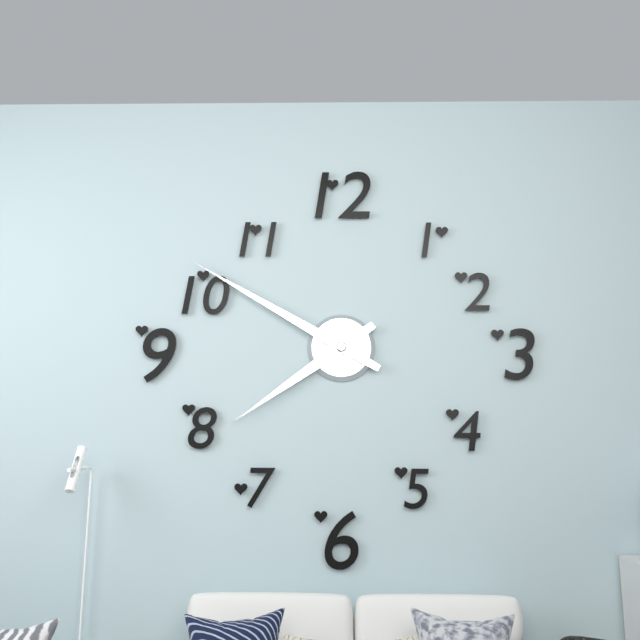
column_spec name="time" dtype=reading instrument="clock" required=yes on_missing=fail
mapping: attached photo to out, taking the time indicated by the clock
7:50
